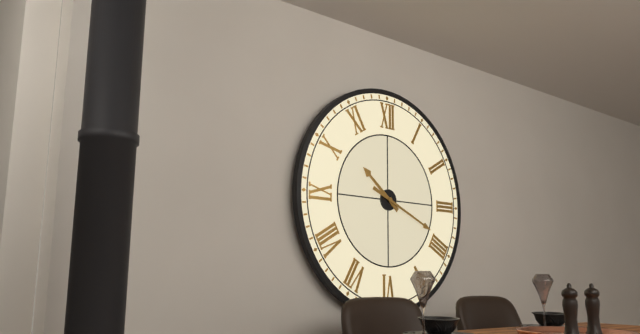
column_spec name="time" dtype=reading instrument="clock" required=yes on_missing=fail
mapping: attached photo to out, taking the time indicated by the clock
10:19
